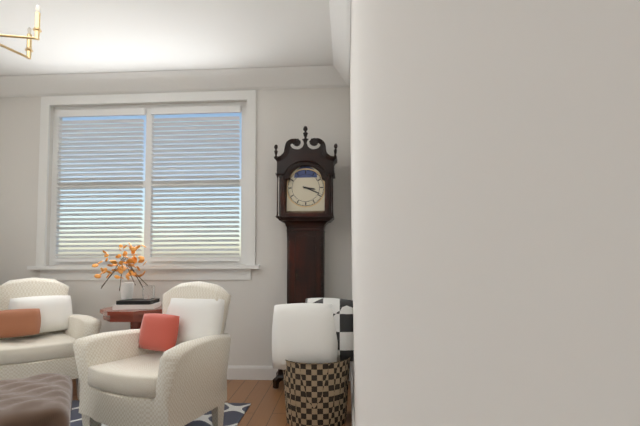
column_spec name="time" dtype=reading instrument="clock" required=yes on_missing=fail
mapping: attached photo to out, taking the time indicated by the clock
3:19
